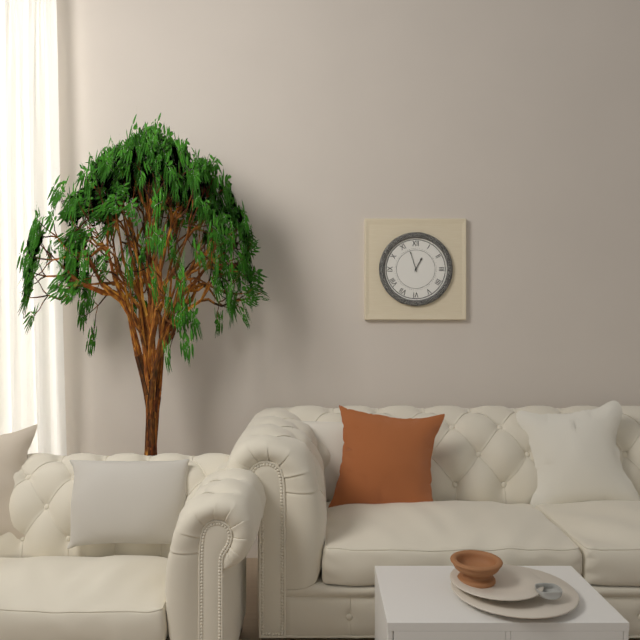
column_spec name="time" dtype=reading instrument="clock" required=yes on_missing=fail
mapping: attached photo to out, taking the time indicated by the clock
12:57
